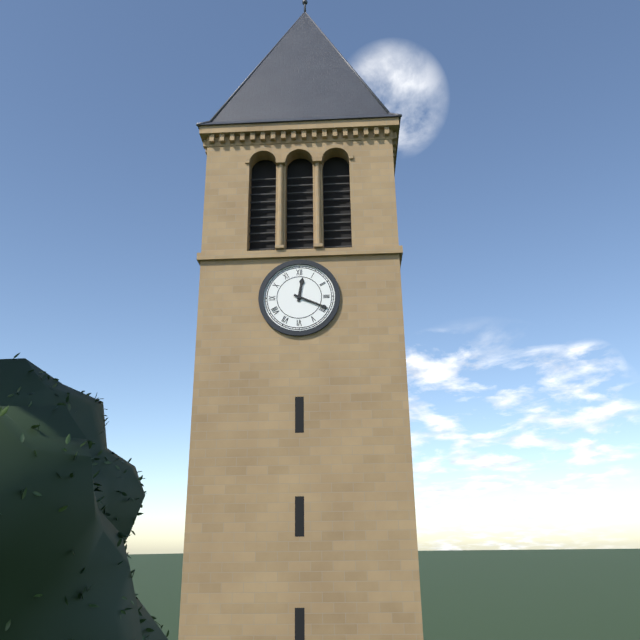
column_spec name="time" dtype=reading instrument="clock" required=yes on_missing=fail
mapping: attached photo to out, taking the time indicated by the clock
12:19
